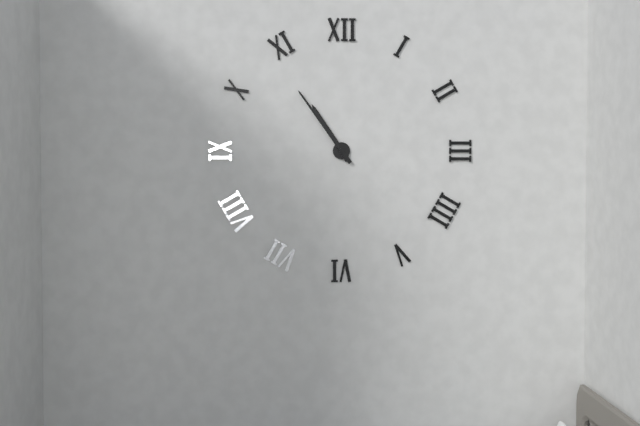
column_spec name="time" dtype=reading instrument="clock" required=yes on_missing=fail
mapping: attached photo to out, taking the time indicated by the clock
10:54
